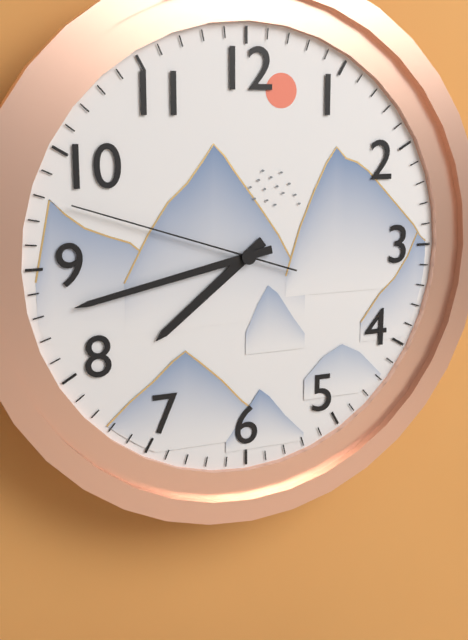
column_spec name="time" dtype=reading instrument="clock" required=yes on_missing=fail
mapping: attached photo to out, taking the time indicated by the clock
7:43:48
